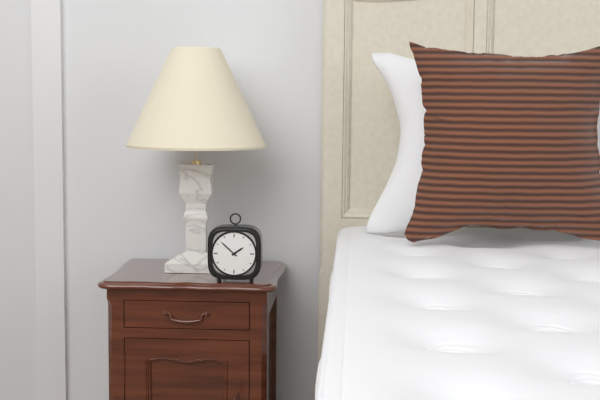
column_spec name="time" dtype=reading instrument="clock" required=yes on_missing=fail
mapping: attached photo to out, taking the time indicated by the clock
1:52
